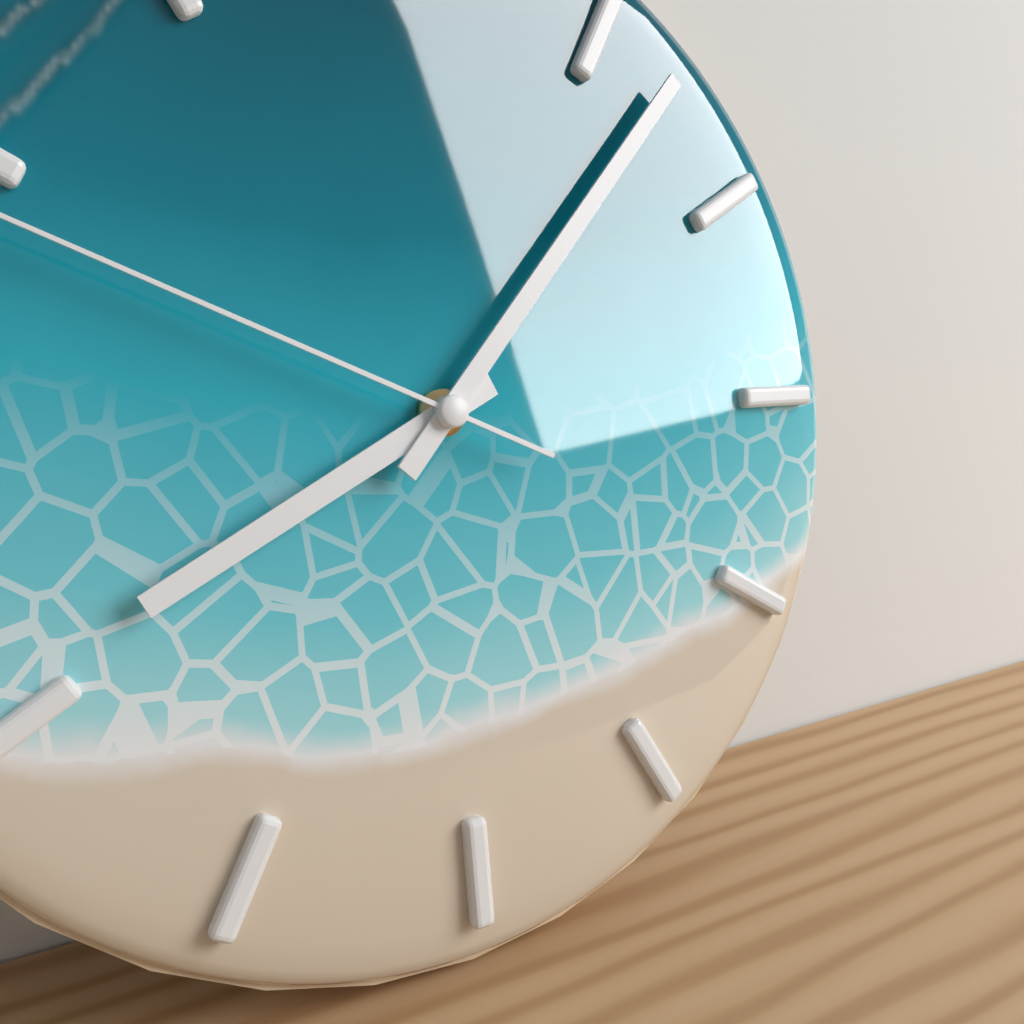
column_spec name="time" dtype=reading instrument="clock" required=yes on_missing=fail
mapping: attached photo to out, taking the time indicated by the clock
8:07
